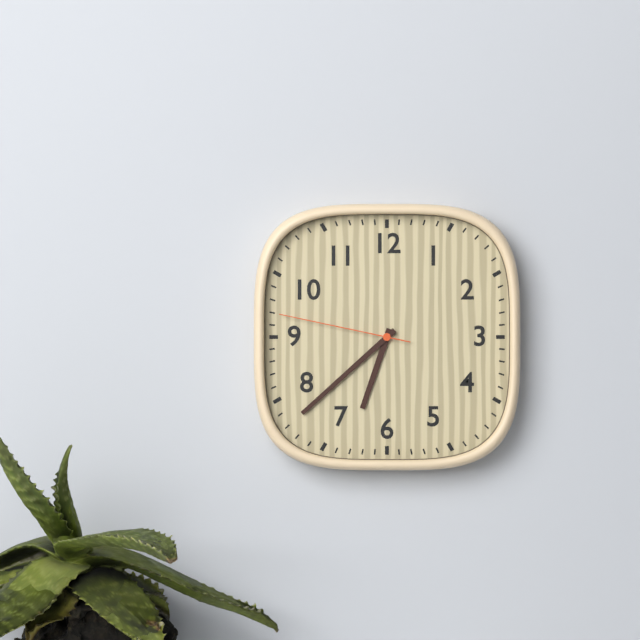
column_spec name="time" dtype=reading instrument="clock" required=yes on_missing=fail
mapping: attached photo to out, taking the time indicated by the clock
6:38:47
